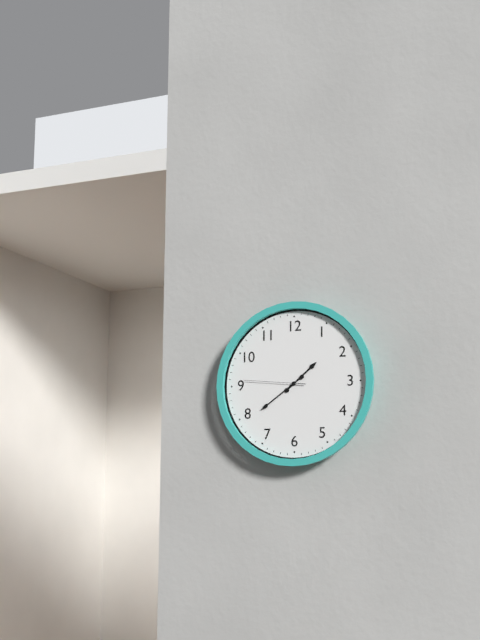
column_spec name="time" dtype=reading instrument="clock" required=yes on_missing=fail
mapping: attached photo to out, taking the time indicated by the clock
1:39:46
